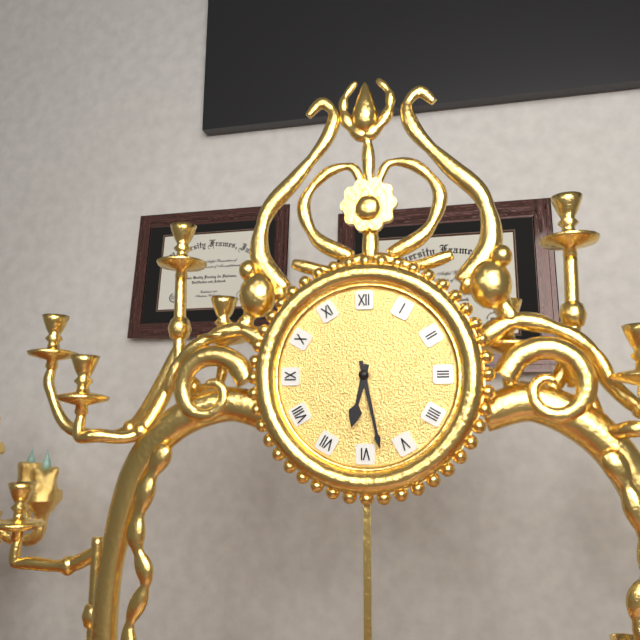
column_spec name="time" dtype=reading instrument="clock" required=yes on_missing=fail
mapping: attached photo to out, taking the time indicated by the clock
6:28
